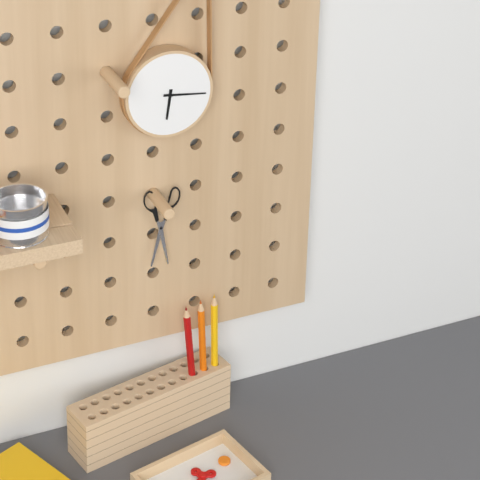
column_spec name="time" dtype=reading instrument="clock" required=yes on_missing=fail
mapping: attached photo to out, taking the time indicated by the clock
6:16
